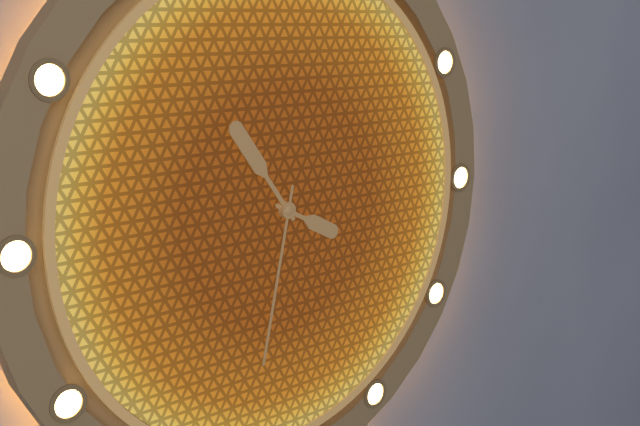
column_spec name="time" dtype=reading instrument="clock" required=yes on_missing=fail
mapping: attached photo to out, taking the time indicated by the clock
3:54:32
